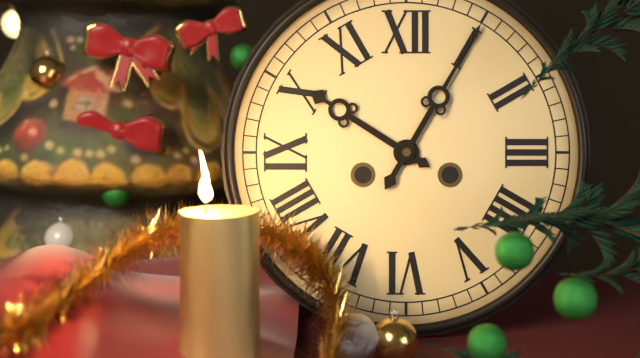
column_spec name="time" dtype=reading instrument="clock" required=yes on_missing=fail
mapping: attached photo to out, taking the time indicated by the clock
10:05
